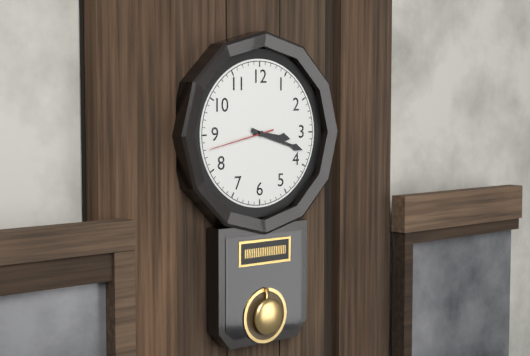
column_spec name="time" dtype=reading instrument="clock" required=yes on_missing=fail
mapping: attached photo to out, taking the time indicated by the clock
3:18:43
